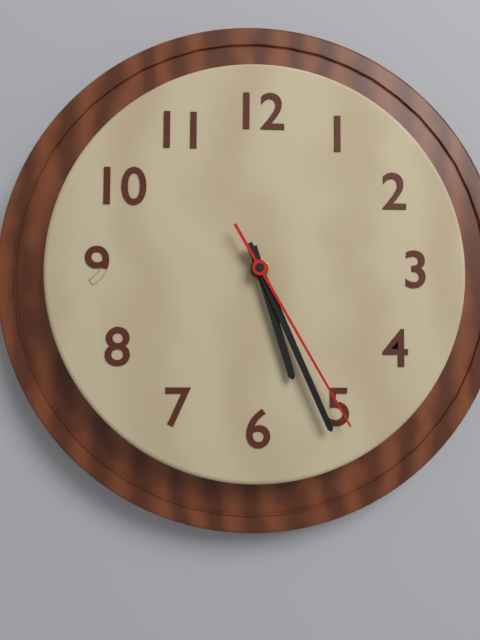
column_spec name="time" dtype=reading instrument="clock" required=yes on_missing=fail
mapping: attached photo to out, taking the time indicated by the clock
5:26:25
